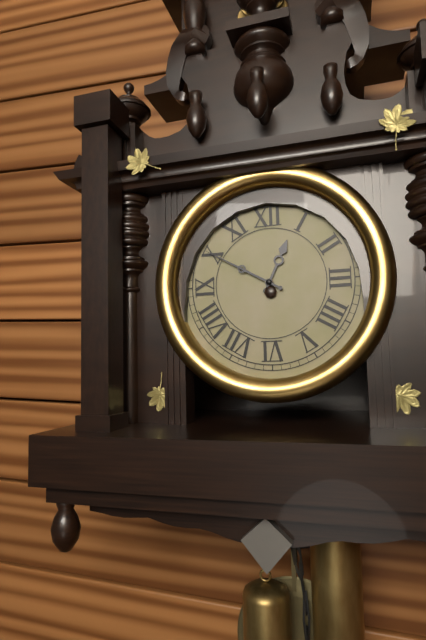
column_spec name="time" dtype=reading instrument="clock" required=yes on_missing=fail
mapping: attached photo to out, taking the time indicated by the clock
12:50
